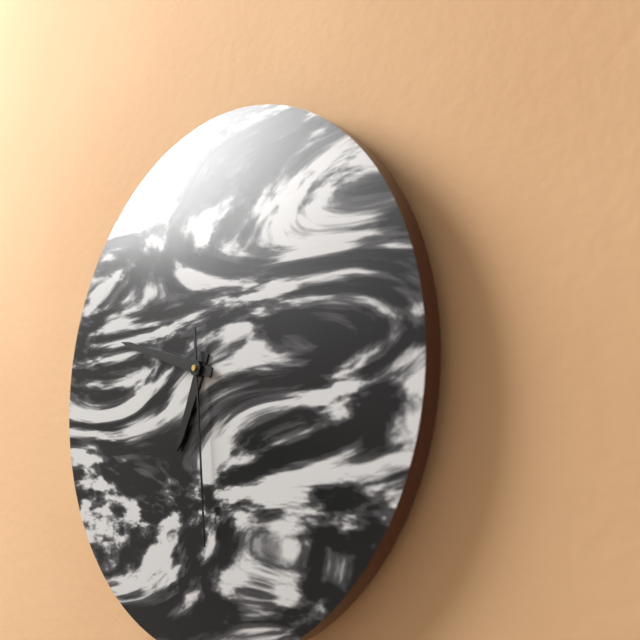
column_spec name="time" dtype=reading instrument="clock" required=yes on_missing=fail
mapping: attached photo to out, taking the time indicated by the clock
6:48:29
